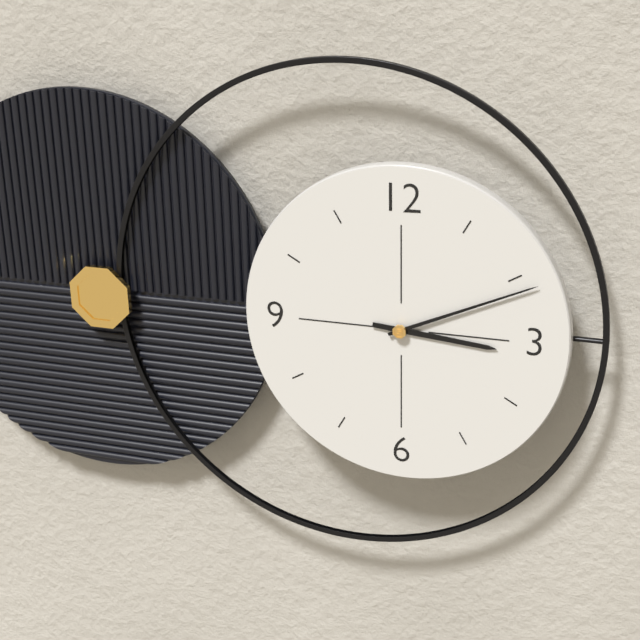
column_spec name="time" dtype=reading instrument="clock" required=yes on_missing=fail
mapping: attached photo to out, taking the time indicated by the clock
3:11
